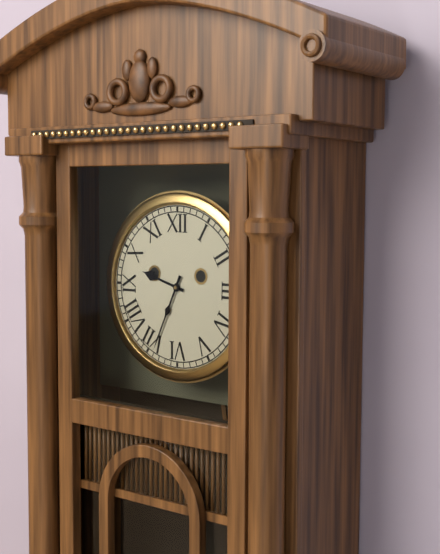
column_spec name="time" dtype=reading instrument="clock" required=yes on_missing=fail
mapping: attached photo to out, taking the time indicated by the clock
9:34
